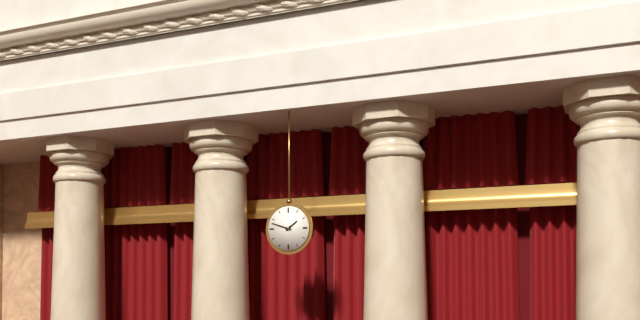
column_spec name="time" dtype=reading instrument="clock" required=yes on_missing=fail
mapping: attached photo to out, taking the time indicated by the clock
1:48
